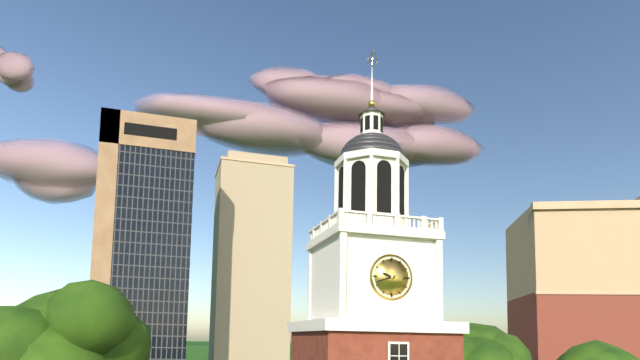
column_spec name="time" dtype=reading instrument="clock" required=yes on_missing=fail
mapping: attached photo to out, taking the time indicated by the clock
9:42
